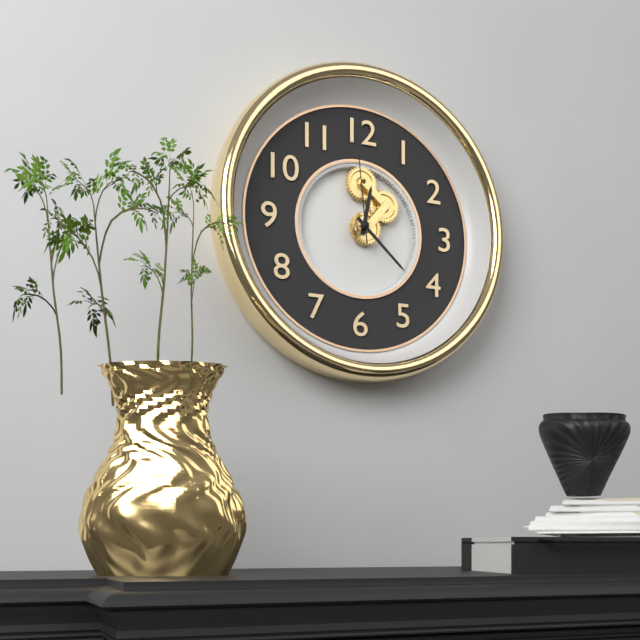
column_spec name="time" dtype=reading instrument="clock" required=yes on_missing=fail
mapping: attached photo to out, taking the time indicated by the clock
12:22:59
